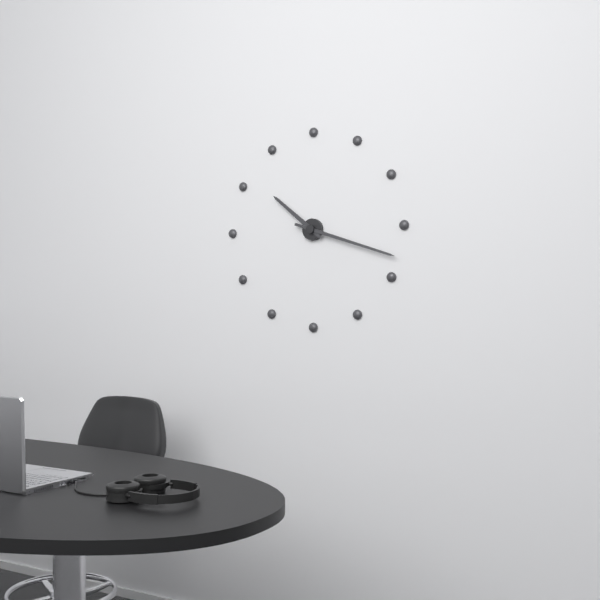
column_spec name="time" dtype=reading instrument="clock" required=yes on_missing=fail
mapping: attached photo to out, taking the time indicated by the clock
10:18
